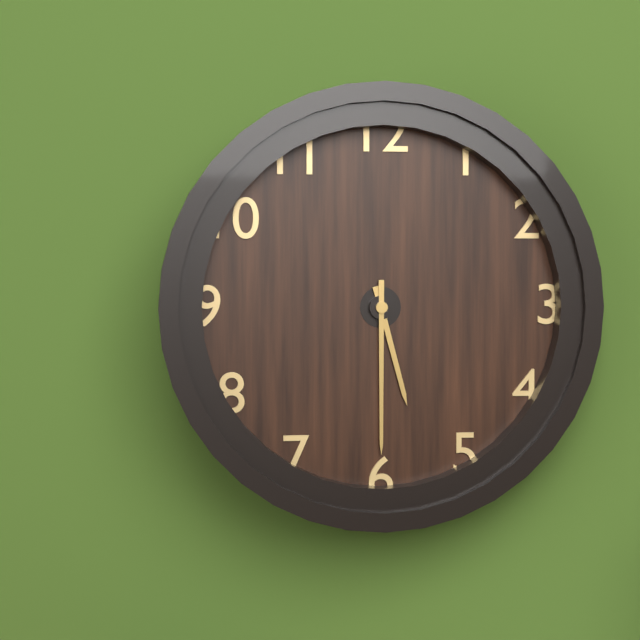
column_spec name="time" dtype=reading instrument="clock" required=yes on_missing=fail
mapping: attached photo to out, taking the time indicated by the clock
5:30
